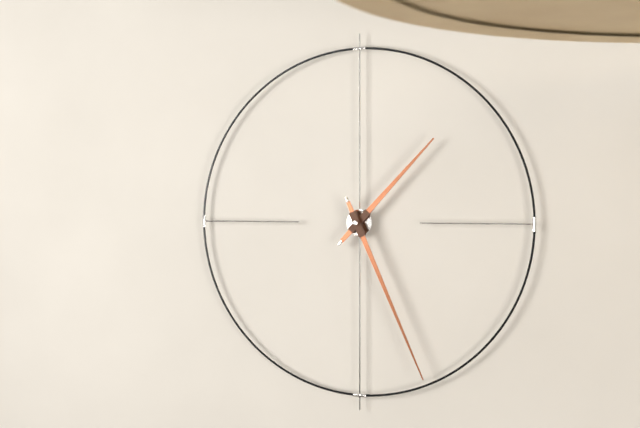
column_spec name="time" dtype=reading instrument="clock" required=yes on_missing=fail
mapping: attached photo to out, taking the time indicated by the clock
1:26
